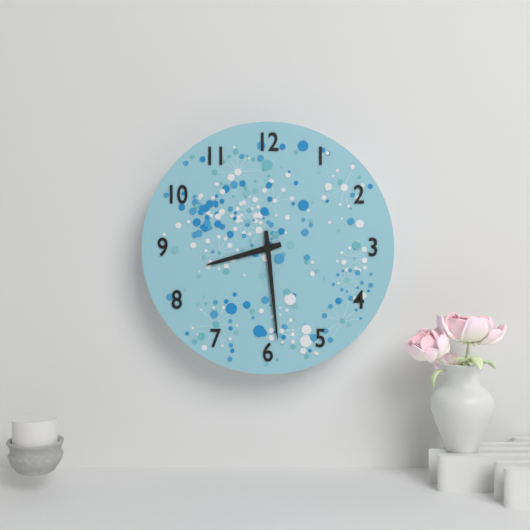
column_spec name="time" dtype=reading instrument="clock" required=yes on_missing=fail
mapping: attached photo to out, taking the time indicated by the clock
8:29
